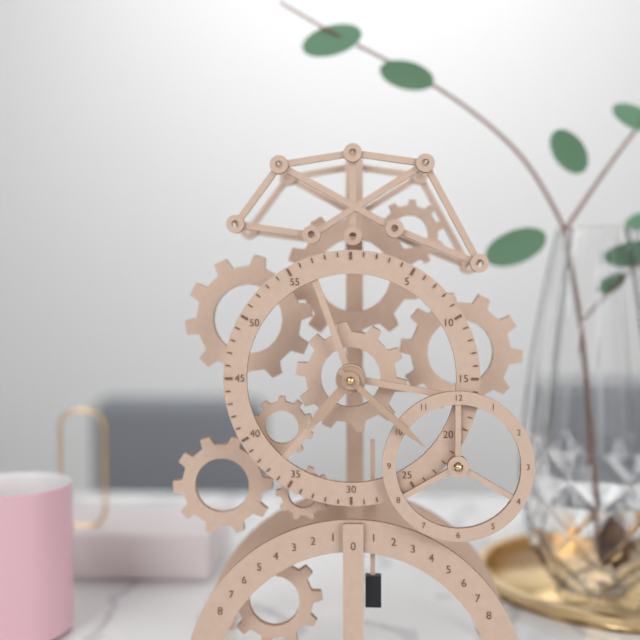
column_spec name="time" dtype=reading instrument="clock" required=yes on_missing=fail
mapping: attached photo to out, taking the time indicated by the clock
7:22
